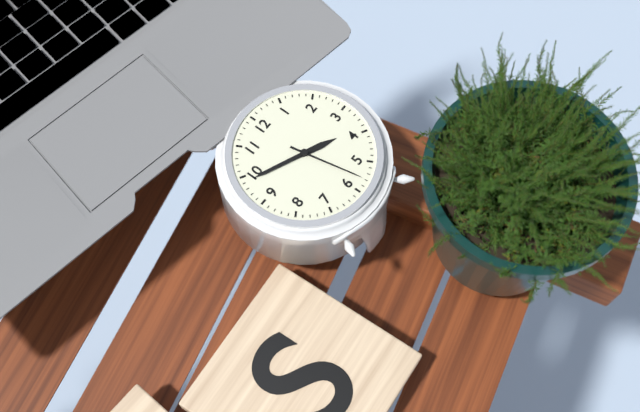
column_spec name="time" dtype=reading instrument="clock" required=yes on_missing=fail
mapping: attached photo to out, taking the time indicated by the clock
3:49:28
